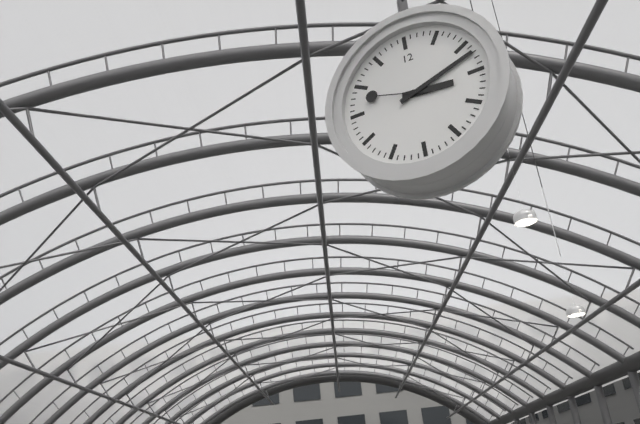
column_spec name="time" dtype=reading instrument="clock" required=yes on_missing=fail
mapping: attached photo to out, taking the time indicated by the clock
3:12:48
